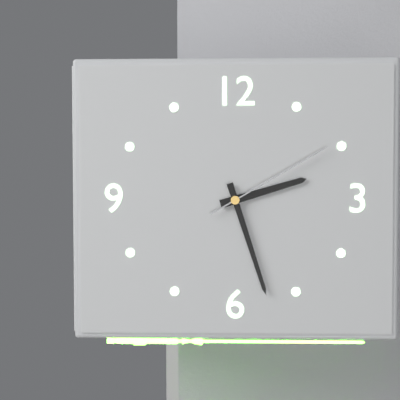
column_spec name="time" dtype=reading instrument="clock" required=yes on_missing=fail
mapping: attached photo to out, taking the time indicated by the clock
2:27:10
